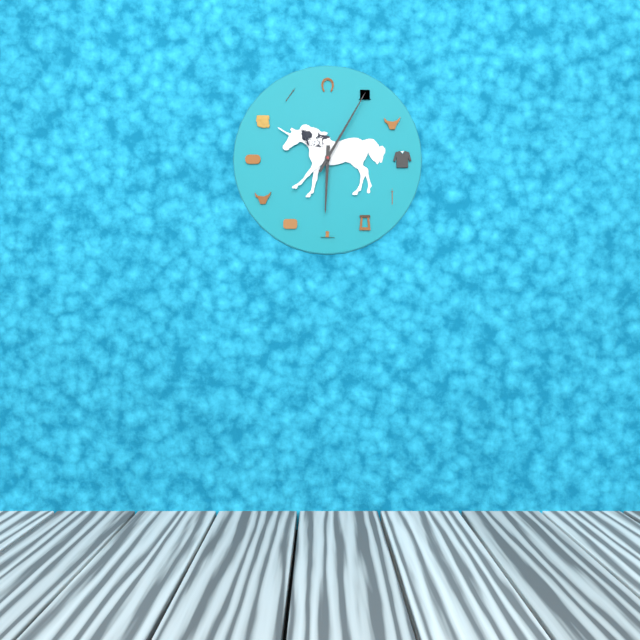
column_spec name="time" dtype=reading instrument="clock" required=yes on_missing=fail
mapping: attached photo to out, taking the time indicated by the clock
6:05
